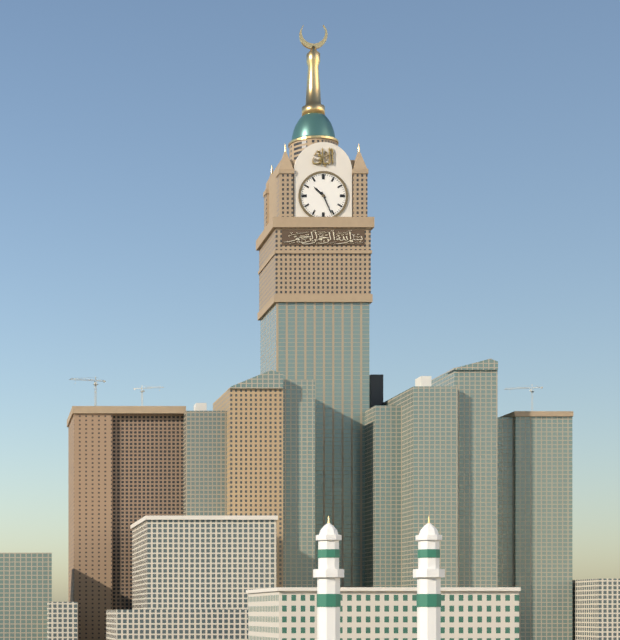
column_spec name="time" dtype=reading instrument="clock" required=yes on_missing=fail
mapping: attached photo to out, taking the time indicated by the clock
10:26
